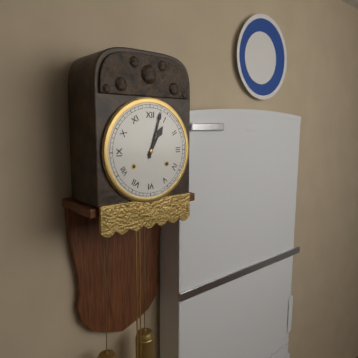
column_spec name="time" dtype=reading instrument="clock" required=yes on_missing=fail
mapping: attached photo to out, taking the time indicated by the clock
1:03
